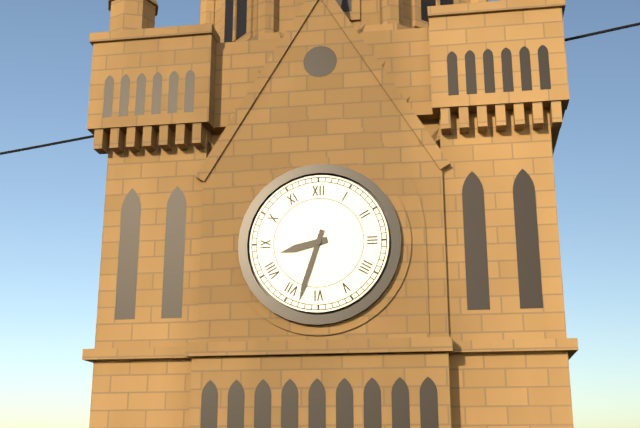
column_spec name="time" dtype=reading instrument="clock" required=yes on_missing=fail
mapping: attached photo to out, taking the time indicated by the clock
8:33
